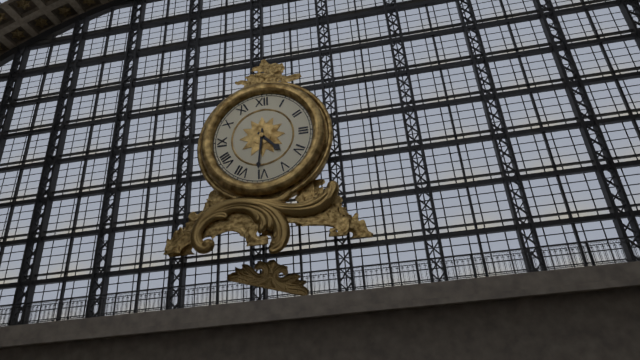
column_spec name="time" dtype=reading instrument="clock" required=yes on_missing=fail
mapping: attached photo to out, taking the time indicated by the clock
4:31
